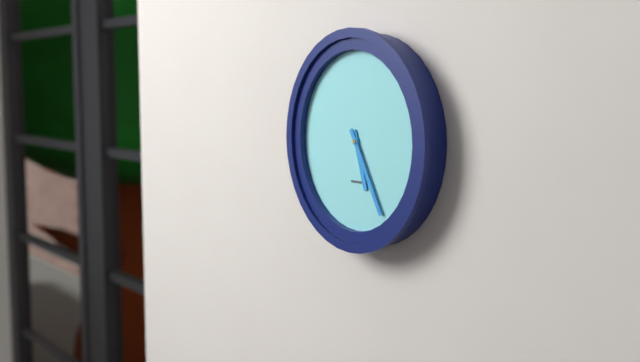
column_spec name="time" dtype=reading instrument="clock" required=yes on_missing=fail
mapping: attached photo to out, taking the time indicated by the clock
5:25
